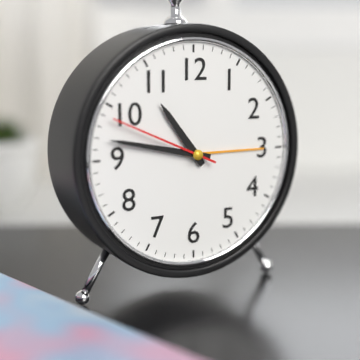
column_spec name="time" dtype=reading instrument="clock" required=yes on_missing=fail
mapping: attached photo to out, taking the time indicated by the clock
10:47:49
